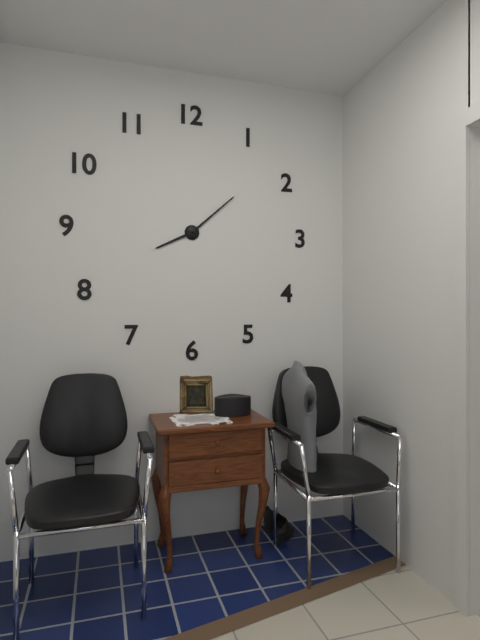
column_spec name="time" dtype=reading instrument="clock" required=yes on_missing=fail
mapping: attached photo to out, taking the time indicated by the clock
8:08
